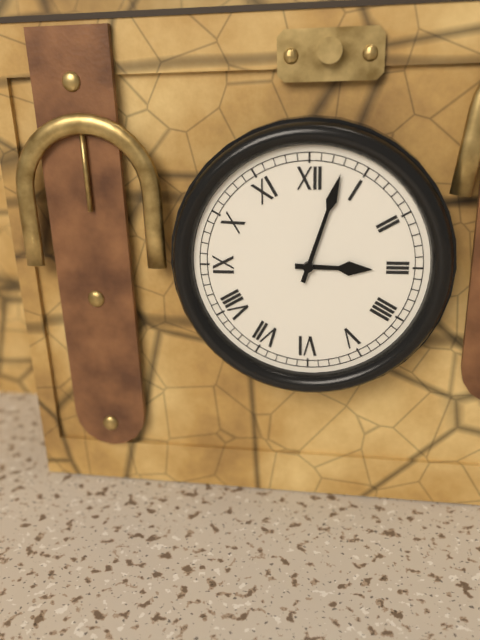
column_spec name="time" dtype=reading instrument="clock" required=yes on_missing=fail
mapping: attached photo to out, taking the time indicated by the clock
3:03
